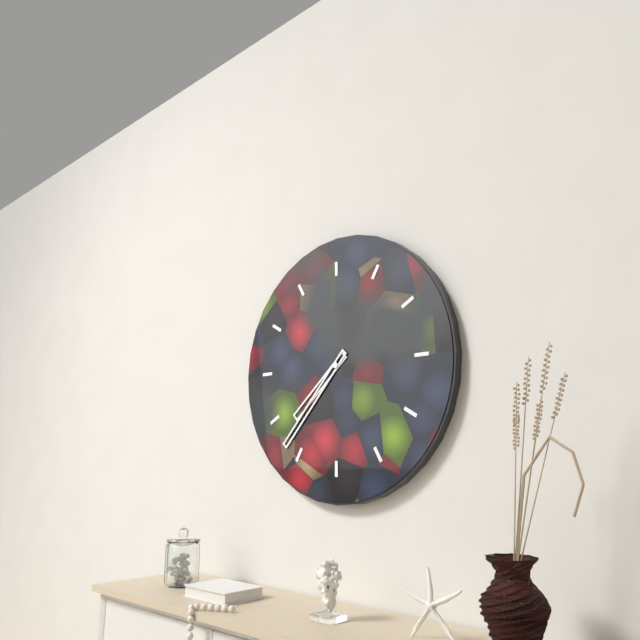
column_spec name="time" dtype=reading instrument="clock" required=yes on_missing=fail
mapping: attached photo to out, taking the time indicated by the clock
7:37
